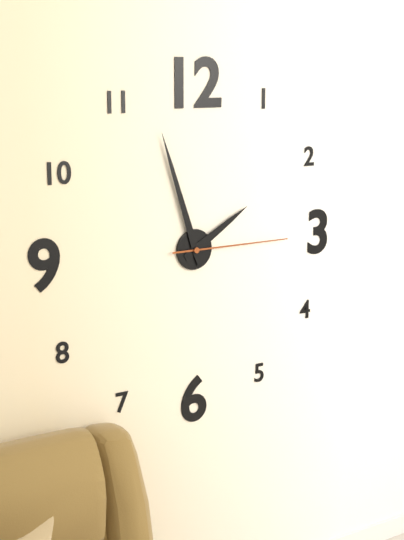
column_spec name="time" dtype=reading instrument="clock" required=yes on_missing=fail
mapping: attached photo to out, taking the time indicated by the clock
1:57:15
